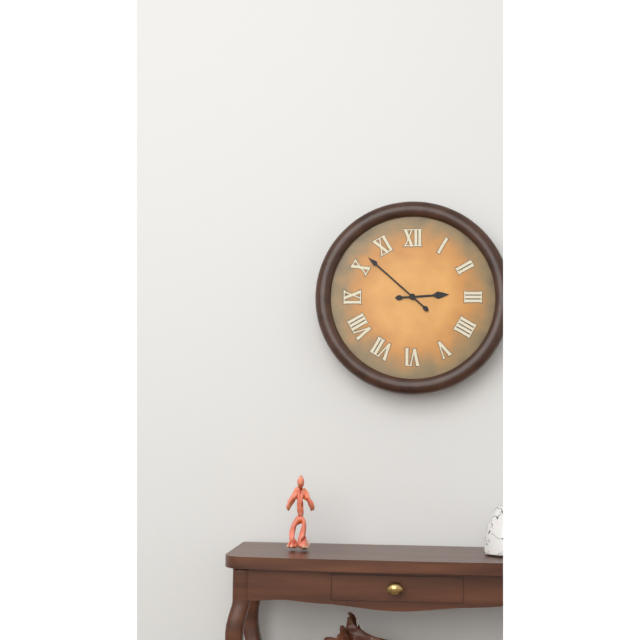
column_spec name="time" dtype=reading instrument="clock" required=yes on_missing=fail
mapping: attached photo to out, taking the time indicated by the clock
2:52
